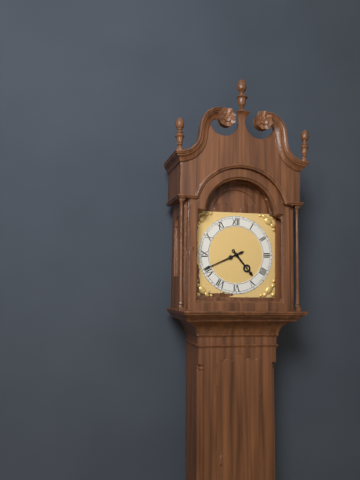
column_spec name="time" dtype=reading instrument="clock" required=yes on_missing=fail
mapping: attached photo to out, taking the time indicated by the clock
4:41
